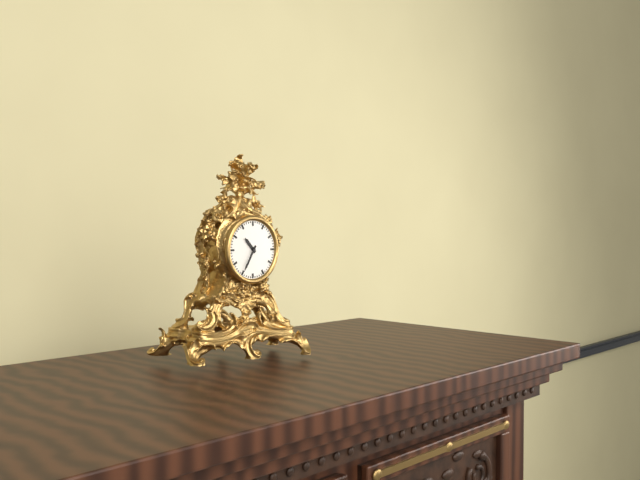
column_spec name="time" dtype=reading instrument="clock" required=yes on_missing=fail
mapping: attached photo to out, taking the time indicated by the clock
10:35
